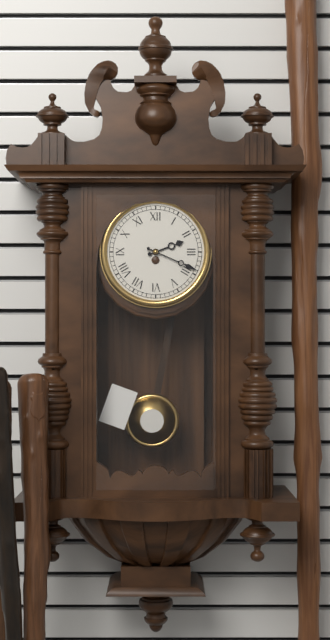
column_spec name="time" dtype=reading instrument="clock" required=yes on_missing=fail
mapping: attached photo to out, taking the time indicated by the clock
2:19
